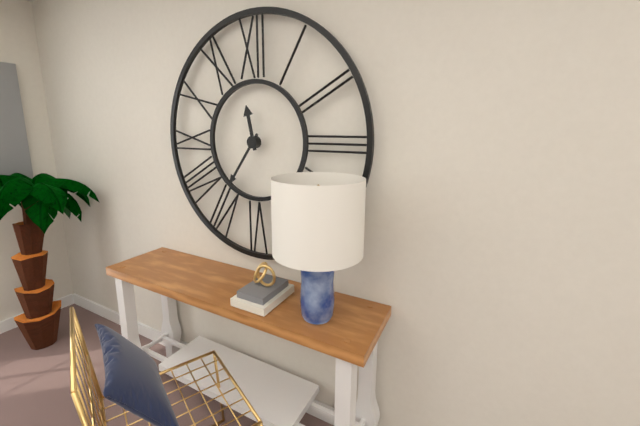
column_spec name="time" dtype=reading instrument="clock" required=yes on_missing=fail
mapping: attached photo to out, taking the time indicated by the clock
11:36
